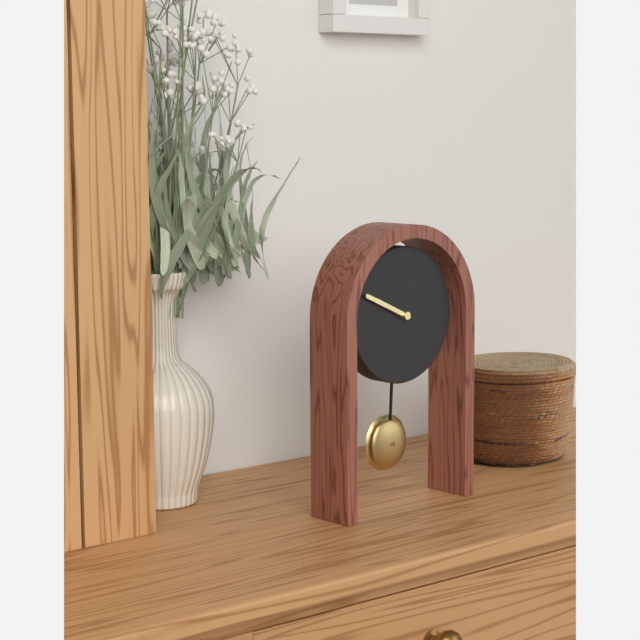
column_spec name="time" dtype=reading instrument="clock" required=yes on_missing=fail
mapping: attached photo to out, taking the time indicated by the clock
9:49
